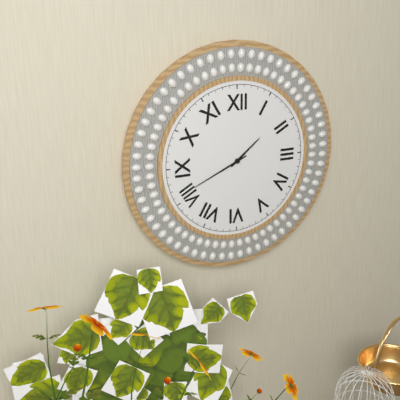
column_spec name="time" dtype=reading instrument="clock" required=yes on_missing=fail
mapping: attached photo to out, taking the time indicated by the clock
1:41
